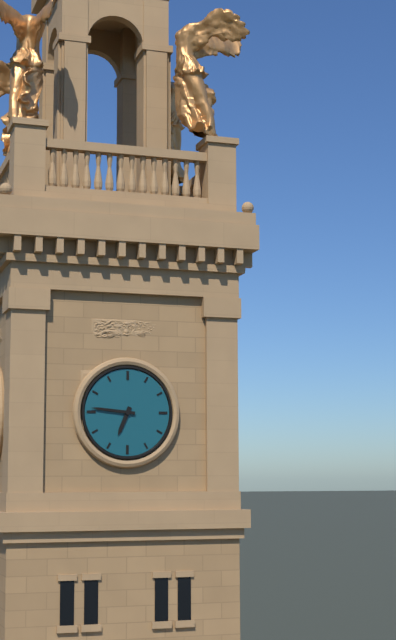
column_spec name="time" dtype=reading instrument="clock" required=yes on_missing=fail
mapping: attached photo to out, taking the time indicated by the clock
6:46
